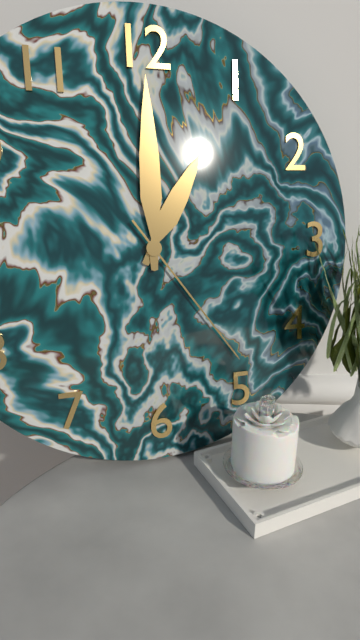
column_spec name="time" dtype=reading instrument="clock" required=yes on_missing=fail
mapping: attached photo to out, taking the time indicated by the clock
1:00:24
